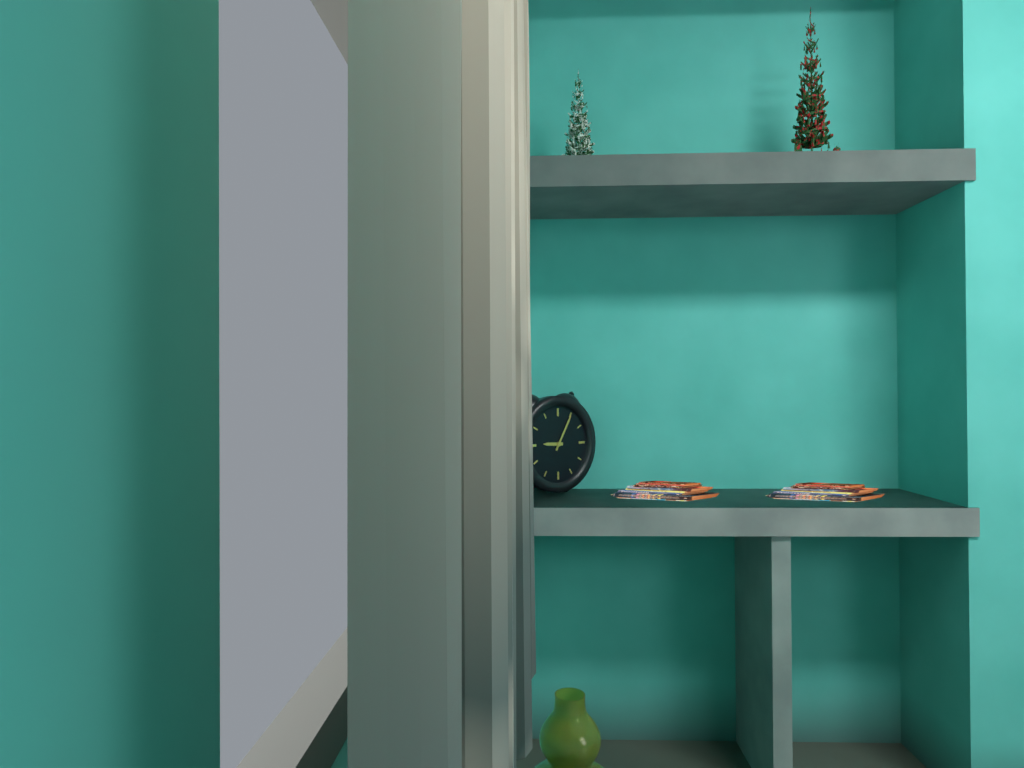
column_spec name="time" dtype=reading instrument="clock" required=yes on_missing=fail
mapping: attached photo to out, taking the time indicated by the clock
9:05
